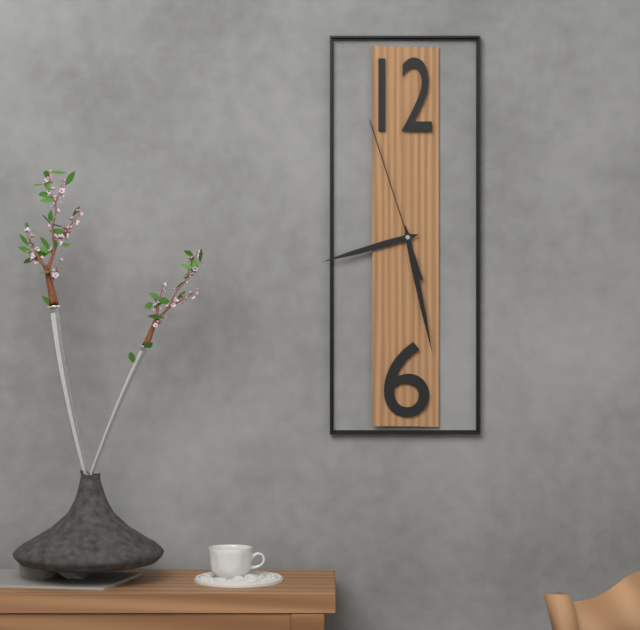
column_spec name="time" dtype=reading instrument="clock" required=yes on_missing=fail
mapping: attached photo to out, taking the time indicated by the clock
8:28:57
